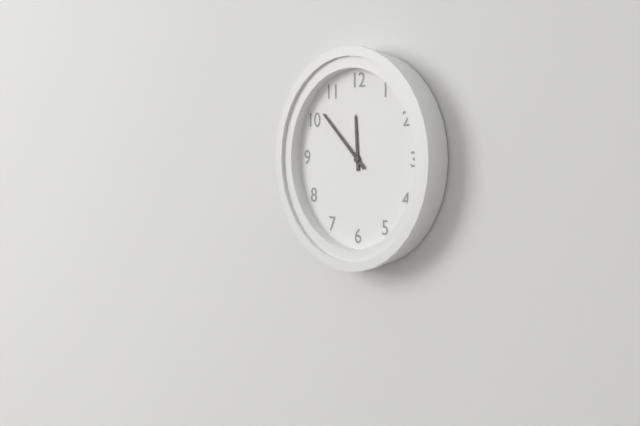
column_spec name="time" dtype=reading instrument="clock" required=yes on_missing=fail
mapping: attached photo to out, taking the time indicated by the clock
11:52
